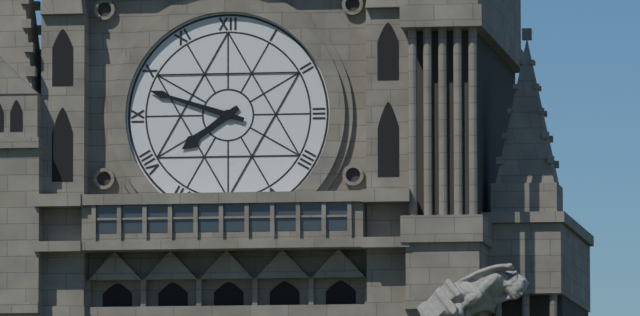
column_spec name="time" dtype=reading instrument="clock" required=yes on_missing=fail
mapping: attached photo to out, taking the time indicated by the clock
7:48
